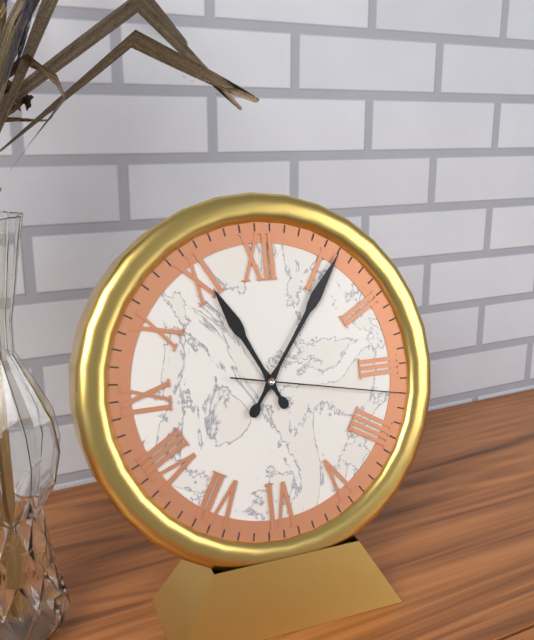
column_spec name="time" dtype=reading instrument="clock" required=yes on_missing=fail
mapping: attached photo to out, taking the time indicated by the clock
11:06:17
